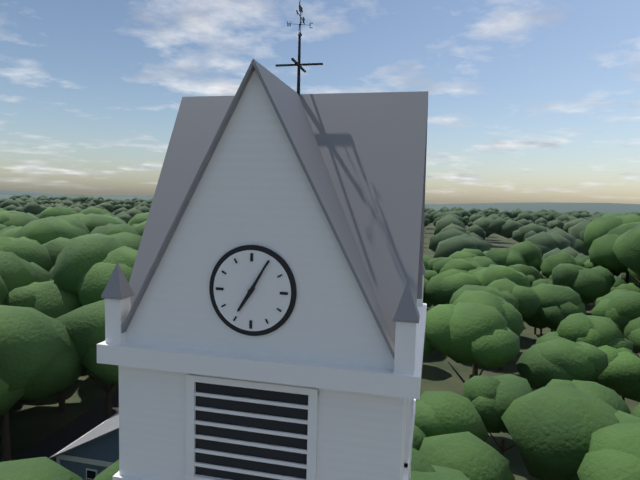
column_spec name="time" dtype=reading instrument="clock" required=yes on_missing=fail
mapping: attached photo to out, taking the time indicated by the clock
7:05
